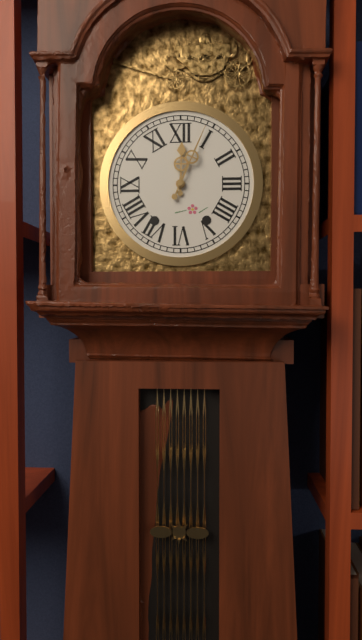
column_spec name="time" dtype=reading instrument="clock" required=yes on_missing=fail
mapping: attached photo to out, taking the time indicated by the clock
12:04
